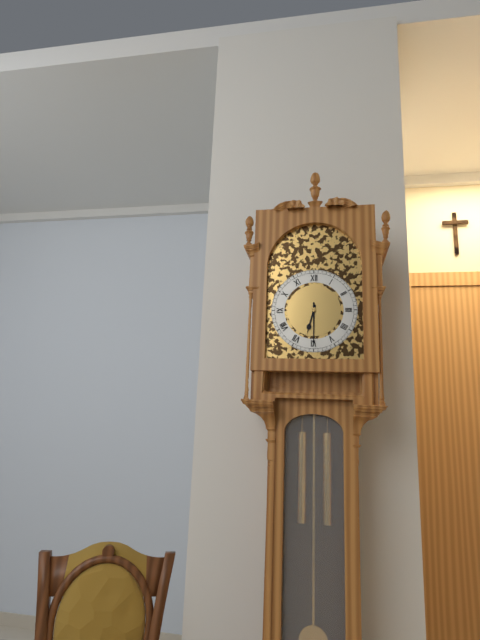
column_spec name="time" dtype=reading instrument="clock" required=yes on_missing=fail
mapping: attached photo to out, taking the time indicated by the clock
6:30
